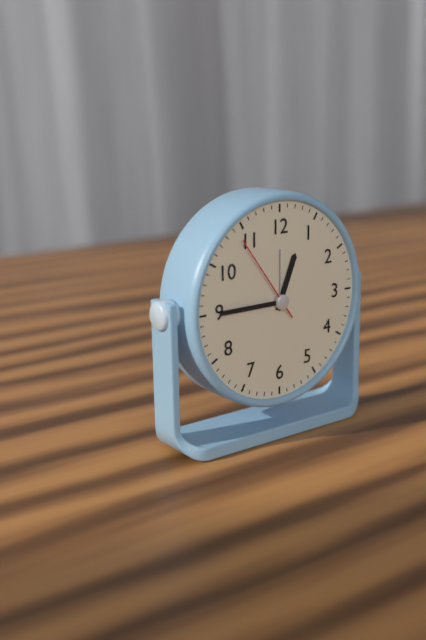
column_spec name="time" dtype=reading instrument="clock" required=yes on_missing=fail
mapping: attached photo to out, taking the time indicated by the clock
12:45:54
